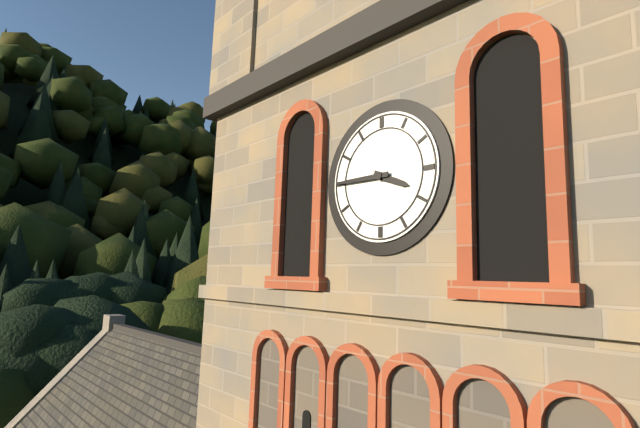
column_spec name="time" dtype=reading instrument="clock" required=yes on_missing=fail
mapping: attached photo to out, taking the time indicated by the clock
3:45
